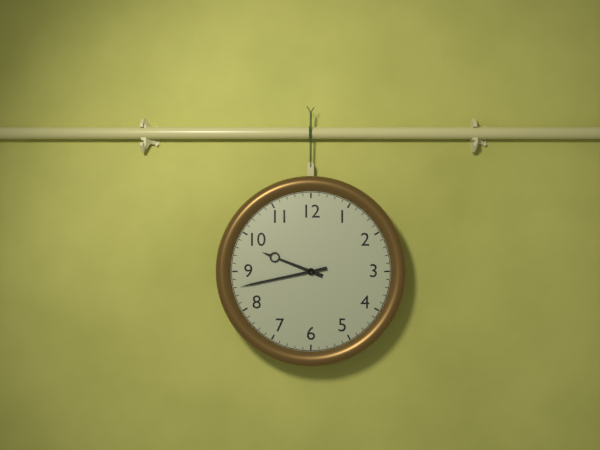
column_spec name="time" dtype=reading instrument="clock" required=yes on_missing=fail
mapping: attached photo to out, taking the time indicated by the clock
9:43
